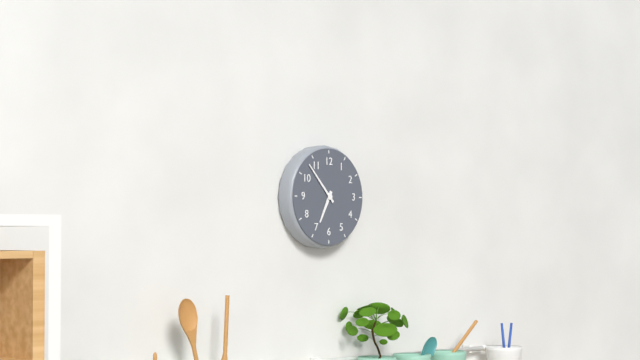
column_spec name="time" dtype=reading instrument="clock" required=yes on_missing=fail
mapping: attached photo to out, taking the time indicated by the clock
6:53
